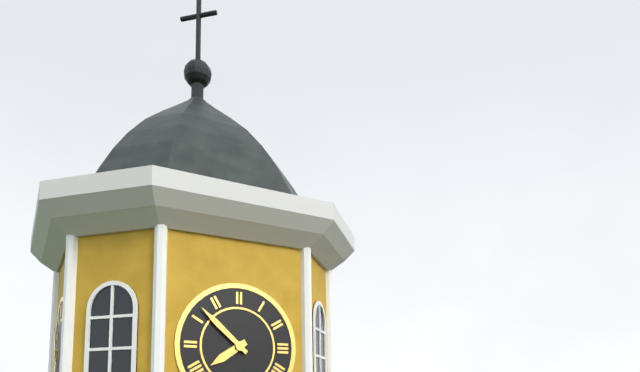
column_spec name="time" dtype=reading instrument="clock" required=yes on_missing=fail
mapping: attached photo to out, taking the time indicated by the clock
7:52
